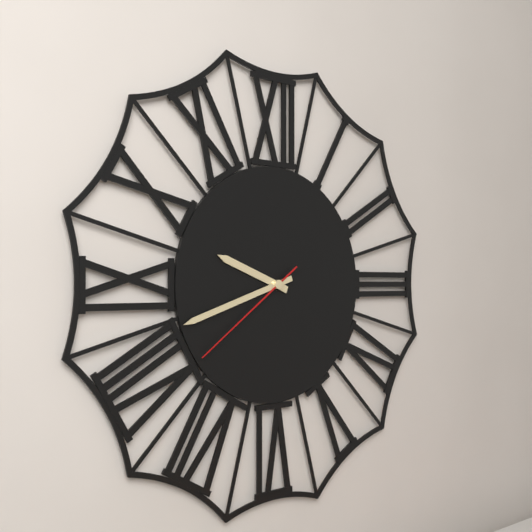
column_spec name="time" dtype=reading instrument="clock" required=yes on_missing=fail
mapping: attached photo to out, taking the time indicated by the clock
9:42:39
